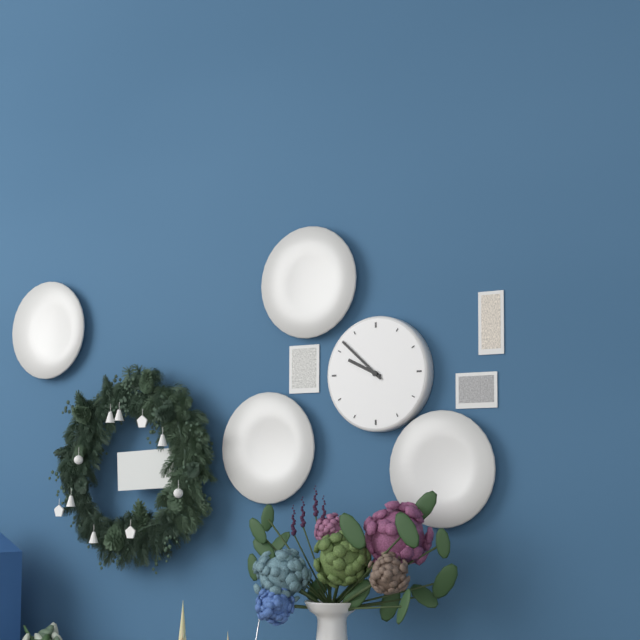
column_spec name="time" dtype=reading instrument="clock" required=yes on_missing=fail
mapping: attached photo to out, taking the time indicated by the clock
9:52
